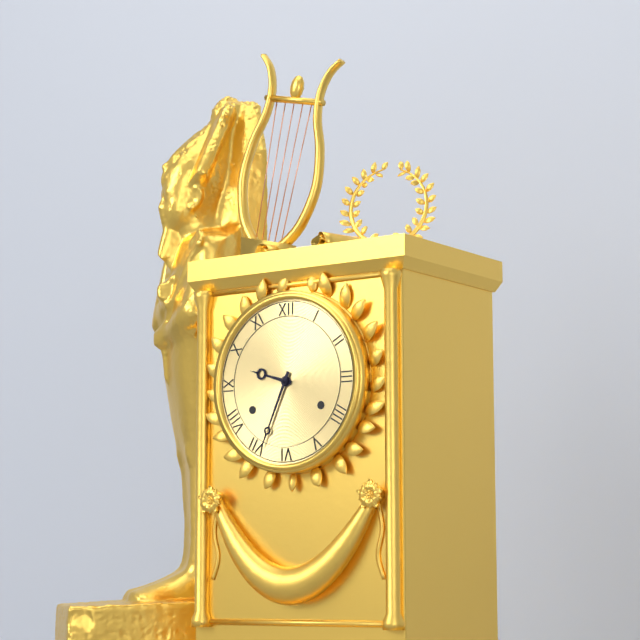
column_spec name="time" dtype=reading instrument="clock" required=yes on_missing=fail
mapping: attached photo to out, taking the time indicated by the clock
9:34
